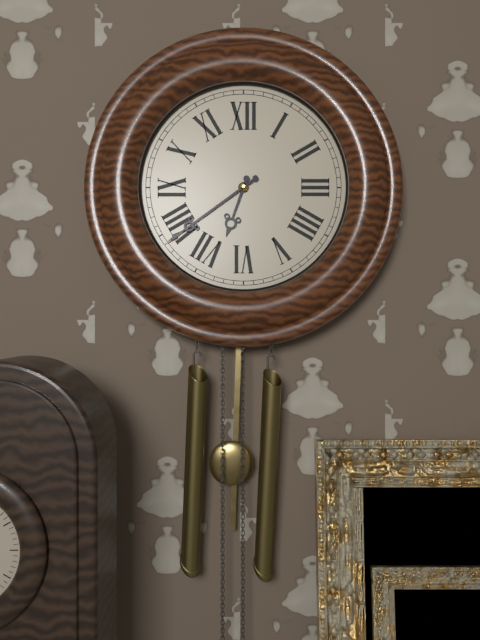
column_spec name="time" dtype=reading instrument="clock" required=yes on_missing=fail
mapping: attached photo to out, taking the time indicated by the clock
6:39
